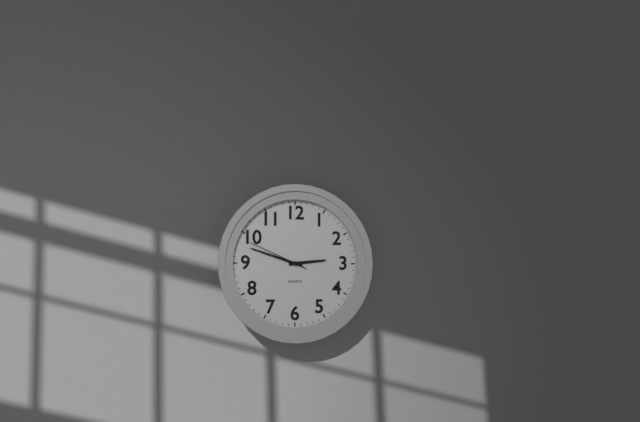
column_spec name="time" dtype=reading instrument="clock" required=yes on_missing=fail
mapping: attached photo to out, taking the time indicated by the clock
2:48:49
